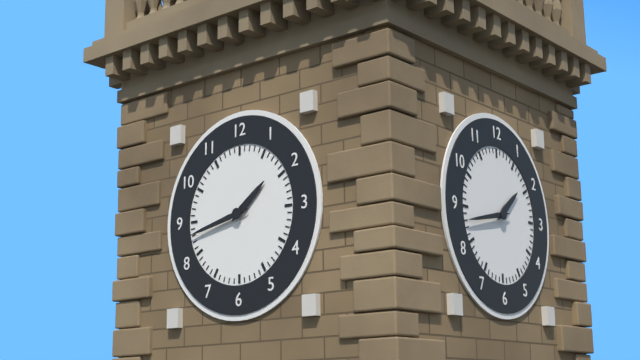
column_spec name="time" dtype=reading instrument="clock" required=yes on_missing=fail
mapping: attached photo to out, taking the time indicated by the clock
1:43
